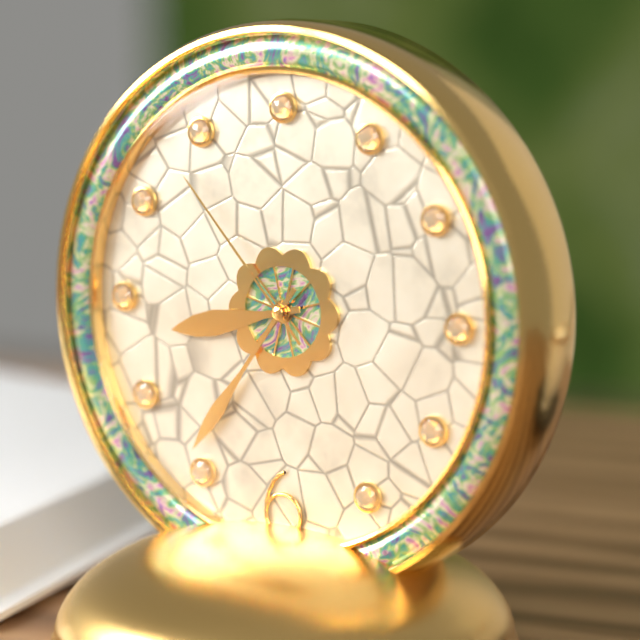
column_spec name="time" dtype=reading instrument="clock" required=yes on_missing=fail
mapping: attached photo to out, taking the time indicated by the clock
8:36:53
